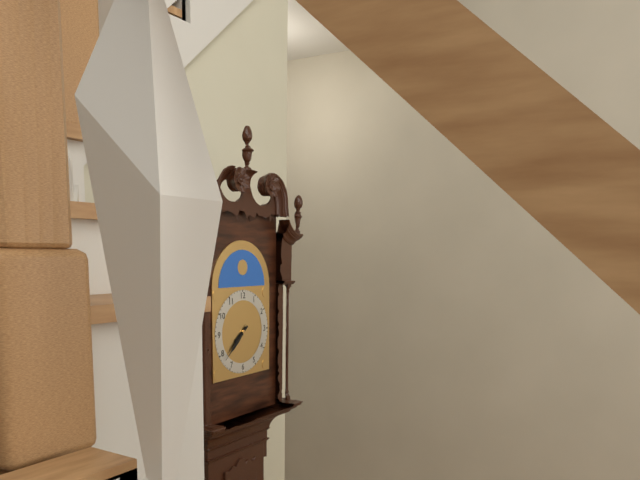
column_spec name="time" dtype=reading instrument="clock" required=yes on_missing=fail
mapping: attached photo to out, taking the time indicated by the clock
7:38
